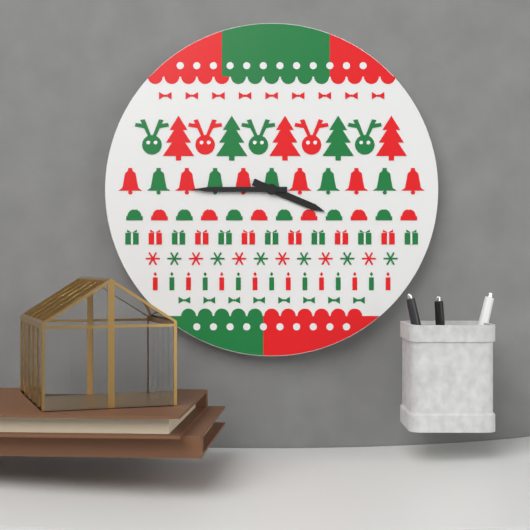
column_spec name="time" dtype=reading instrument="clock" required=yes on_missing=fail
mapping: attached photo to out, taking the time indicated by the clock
3:45
